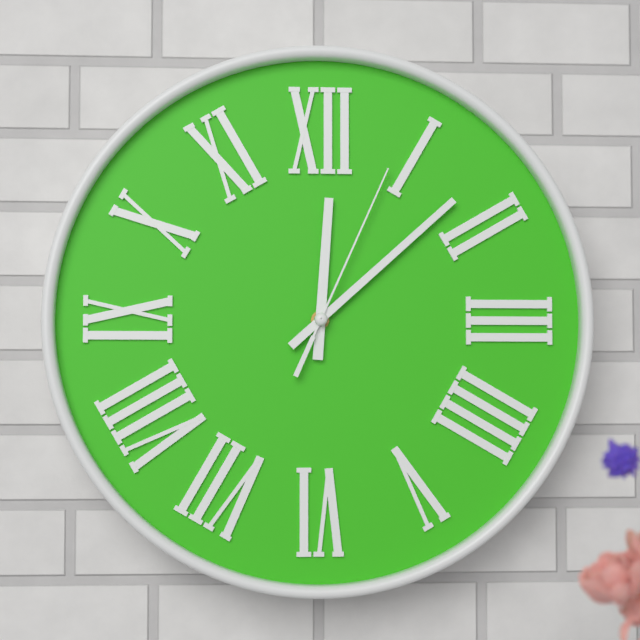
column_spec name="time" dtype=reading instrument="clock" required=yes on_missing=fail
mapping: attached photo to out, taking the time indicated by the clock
12:08:04
